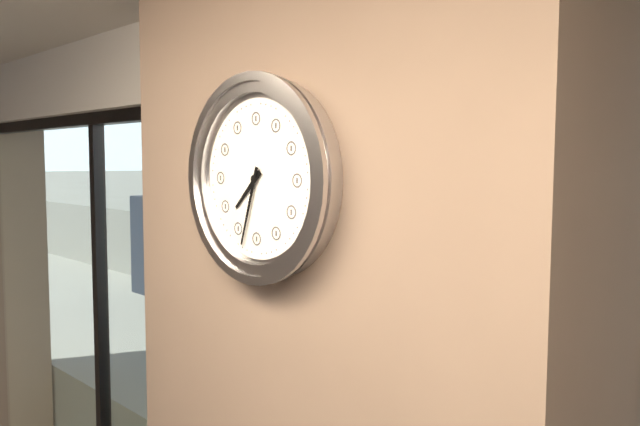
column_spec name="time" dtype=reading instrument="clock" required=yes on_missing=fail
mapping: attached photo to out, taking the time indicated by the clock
7:33
